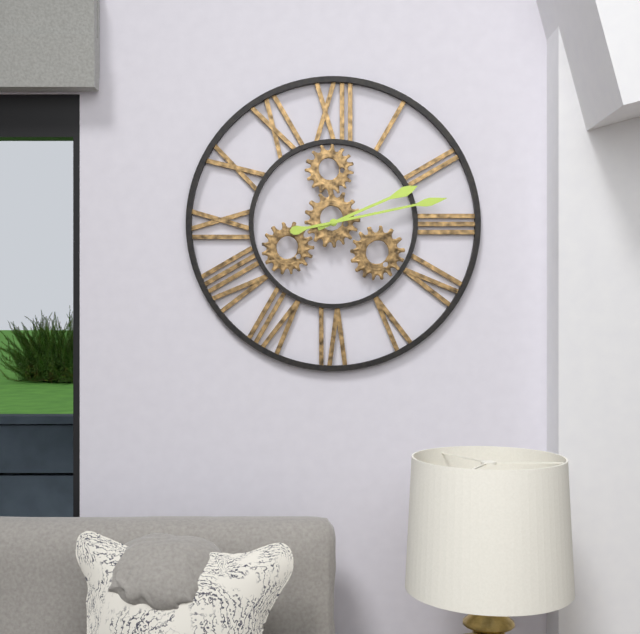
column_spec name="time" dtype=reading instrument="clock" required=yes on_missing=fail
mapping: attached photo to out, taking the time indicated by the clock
2:13
